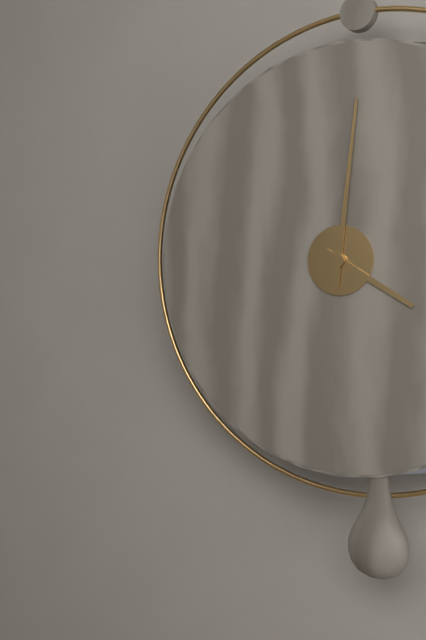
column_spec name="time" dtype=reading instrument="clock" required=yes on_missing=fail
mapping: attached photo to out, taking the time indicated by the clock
4:01
